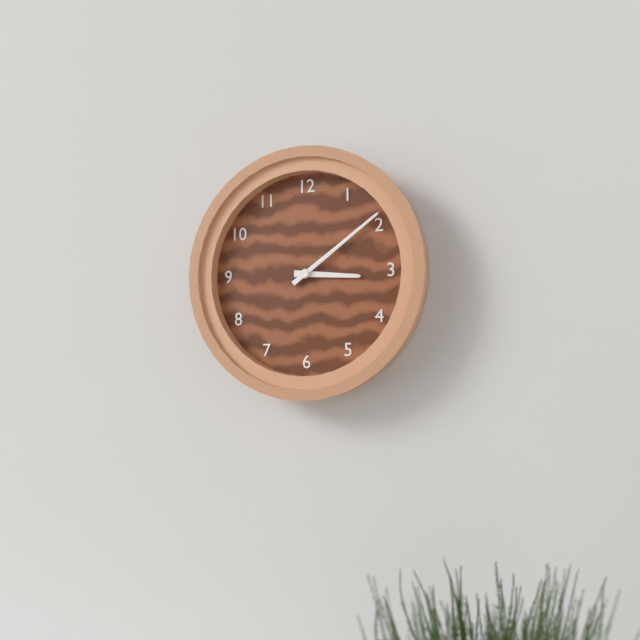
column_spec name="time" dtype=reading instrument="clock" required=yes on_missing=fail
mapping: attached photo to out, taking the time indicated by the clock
3:09
